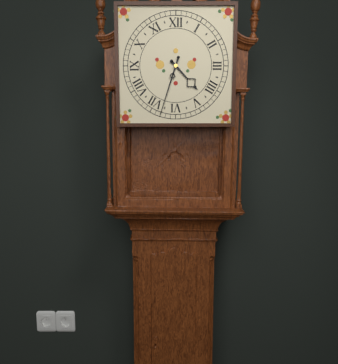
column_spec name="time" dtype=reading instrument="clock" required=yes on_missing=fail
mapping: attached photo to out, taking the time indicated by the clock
4:33
